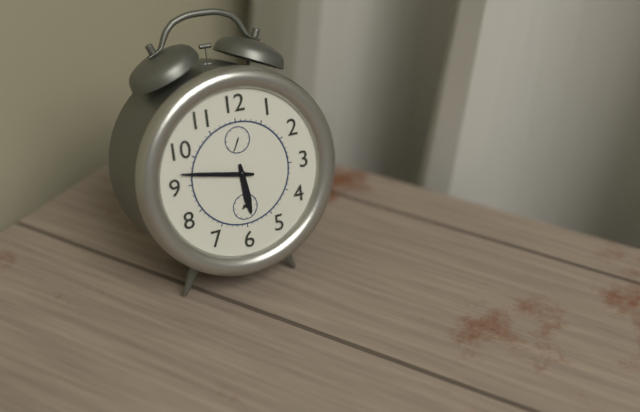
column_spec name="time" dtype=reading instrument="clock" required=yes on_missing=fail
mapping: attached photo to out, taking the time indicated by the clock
5:47
